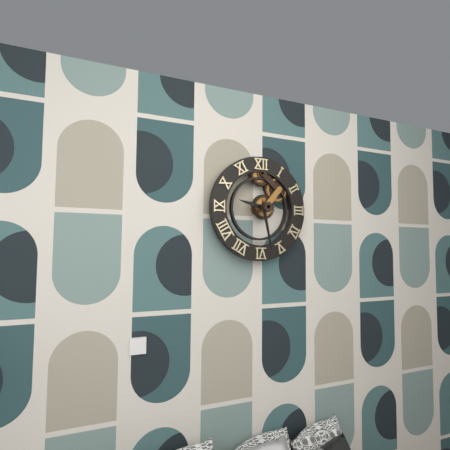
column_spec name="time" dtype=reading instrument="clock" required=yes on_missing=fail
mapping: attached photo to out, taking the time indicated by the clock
9:28
